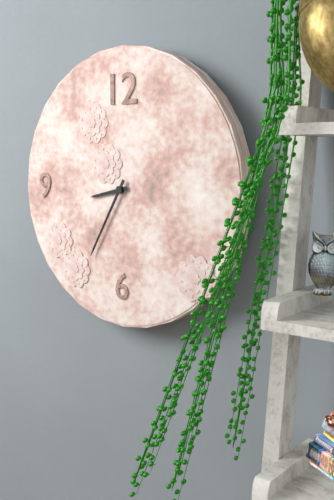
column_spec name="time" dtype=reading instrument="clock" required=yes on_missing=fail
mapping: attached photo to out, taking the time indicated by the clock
8:35
